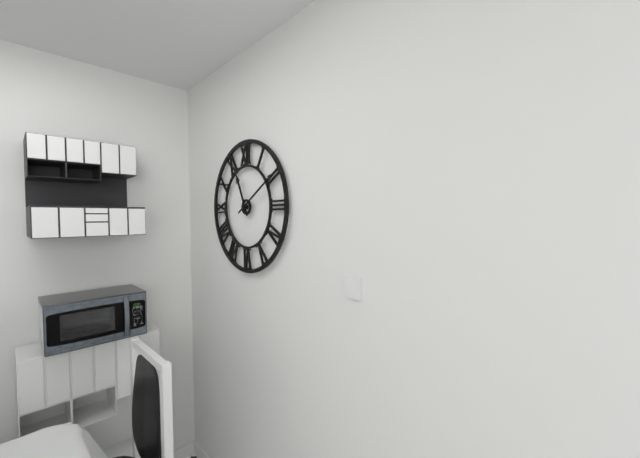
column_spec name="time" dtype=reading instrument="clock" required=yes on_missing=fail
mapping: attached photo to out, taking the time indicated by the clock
11:10
